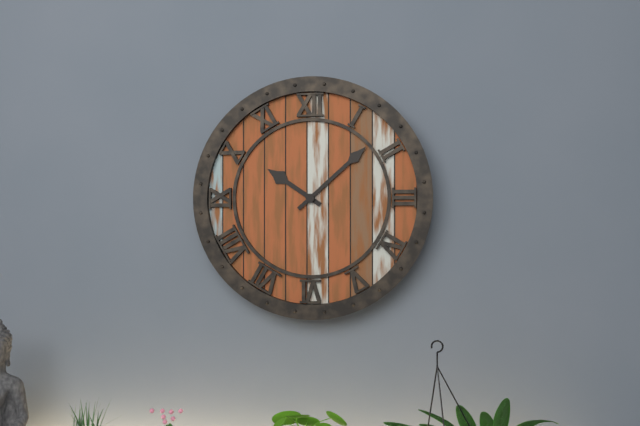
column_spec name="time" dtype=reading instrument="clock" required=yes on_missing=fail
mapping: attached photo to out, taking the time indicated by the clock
10:08
